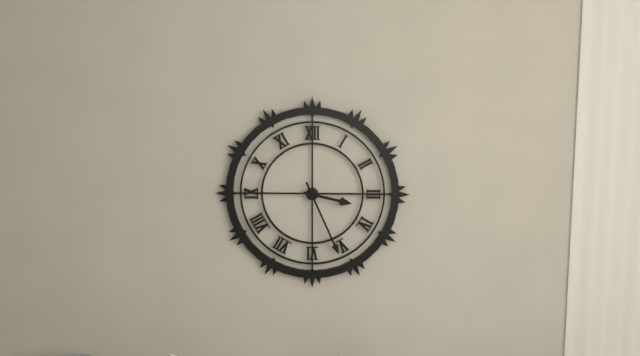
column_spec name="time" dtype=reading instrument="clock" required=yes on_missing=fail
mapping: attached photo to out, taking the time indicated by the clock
3:26
